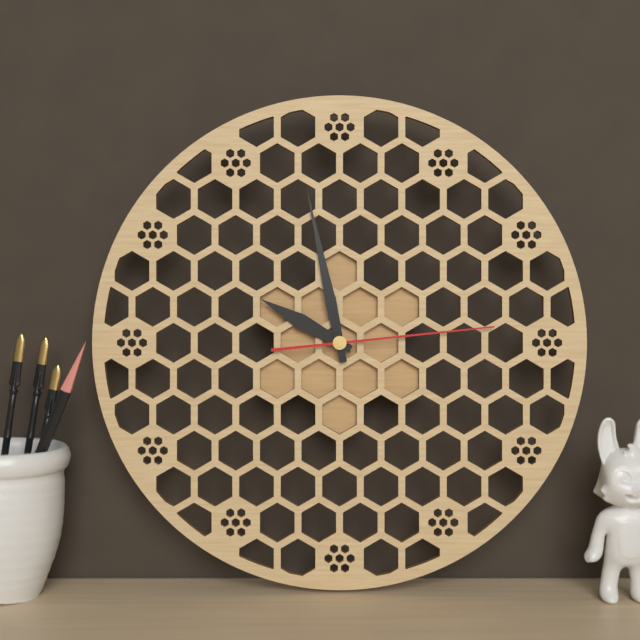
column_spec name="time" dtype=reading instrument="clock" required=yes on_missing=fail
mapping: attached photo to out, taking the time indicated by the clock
9:58:14
